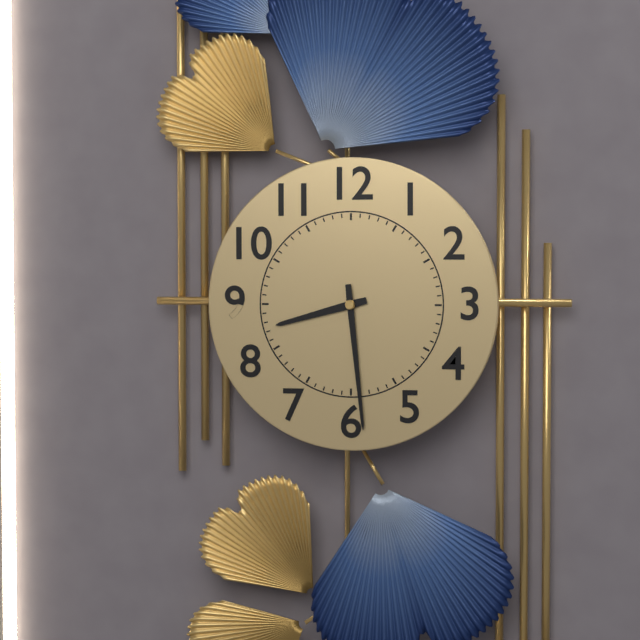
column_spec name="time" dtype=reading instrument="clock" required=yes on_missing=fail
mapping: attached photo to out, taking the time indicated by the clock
8:29
